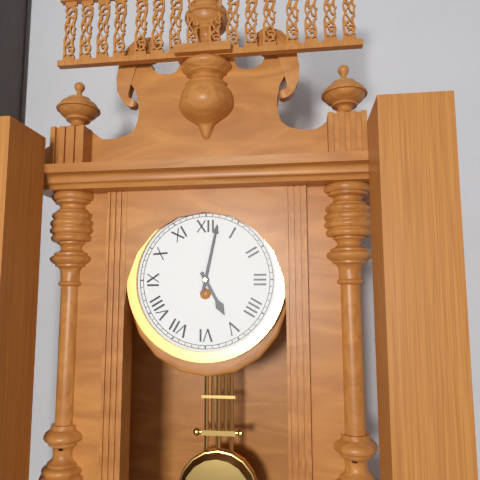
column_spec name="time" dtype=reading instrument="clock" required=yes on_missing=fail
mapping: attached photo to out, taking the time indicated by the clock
5:02
